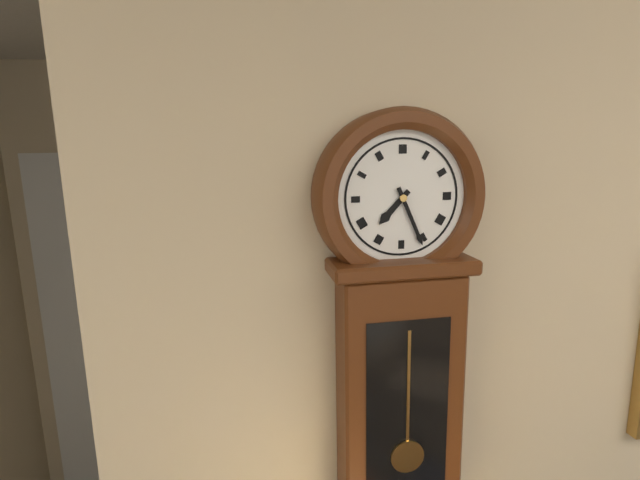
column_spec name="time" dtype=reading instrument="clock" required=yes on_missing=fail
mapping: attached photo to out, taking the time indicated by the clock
7:26
